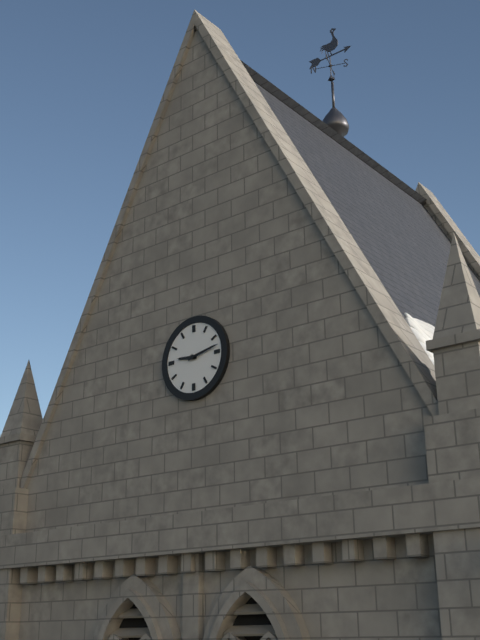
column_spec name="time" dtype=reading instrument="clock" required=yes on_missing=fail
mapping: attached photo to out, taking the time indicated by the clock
9:13
